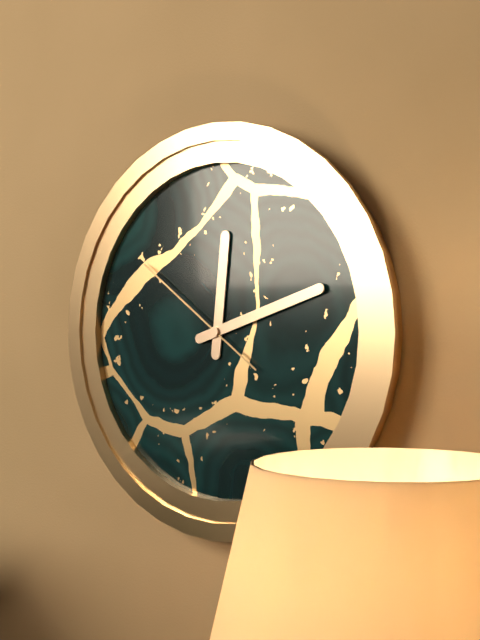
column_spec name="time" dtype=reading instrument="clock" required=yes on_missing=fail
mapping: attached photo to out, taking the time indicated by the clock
12:12:51
